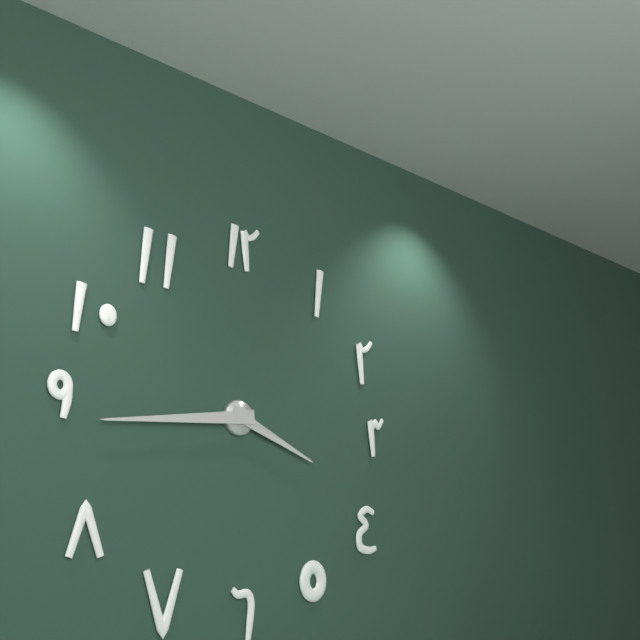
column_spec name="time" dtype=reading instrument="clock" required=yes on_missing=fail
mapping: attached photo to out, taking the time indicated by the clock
3:44
